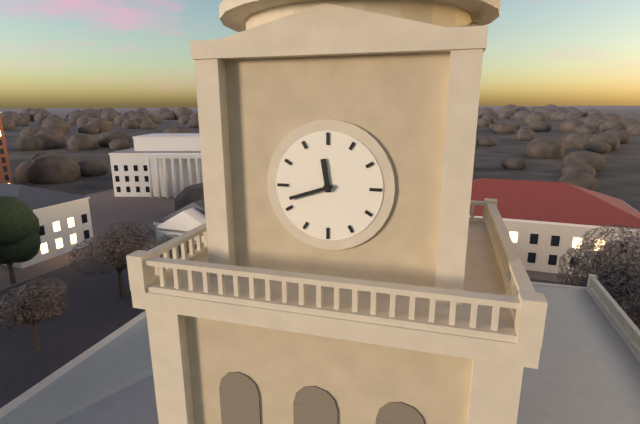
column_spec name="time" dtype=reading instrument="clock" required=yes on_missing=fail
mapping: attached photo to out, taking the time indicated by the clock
11:42
